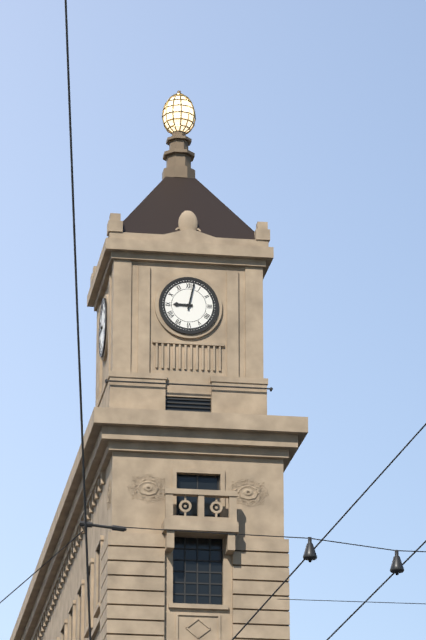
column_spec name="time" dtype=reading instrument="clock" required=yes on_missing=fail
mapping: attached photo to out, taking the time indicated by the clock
9:02
